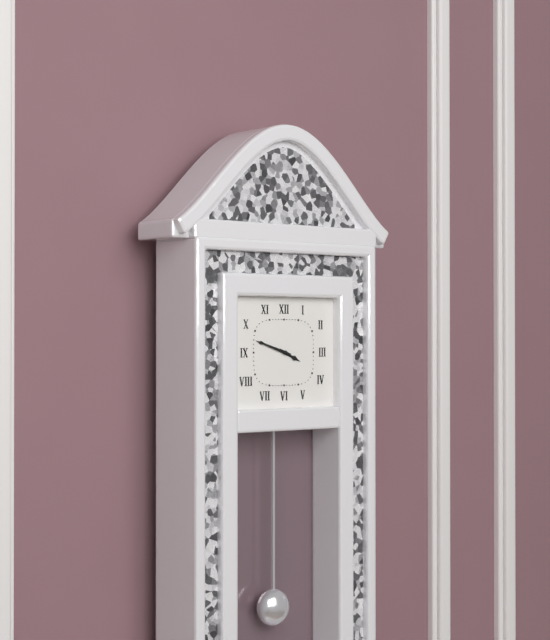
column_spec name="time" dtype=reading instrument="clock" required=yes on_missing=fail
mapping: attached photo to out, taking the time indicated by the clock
3:48
